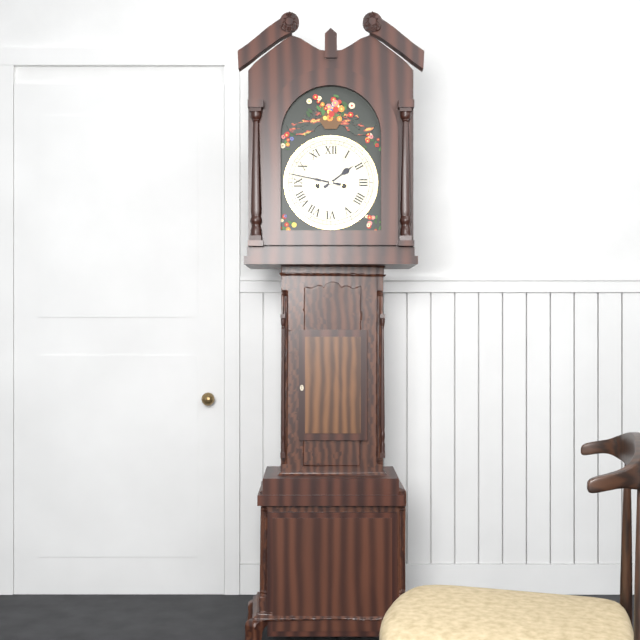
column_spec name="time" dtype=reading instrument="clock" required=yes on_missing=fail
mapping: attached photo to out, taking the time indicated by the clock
1:47
